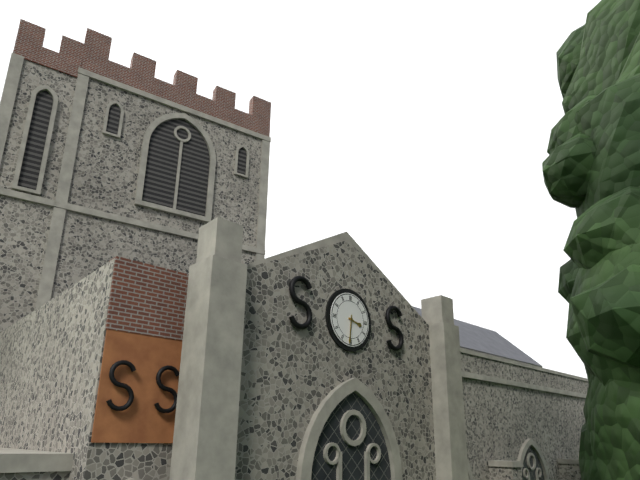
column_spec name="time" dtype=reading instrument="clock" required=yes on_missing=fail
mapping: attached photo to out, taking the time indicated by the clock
3:31
